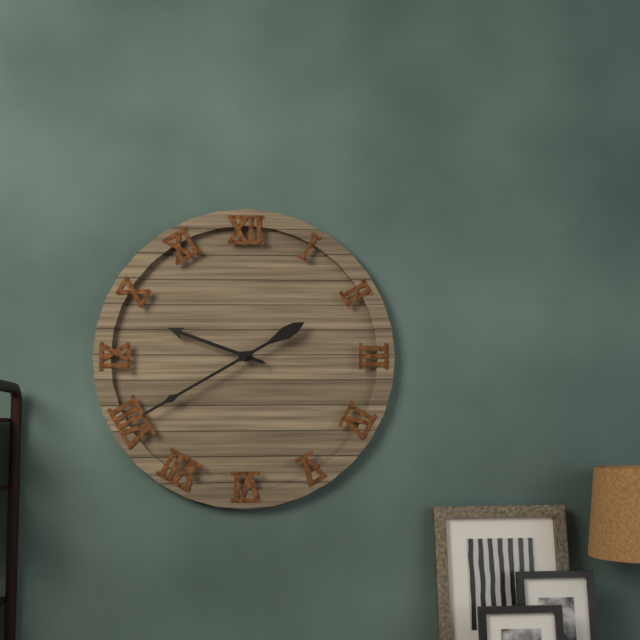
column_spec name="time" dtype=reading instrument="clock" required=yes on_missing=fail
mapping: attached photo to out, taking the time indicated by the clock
9:40
